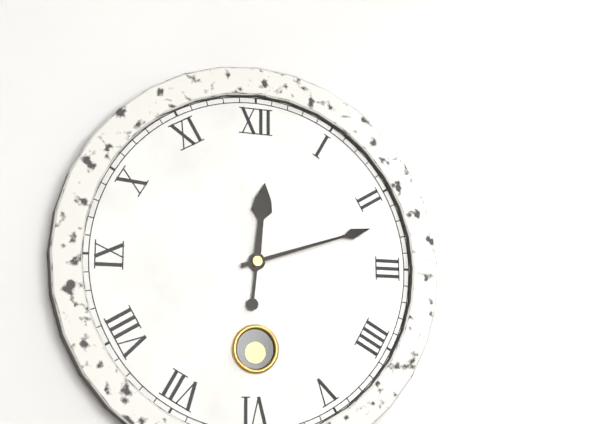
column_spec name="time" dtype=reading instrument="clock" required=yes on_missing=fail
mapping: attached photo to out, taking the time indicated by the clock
12:12
